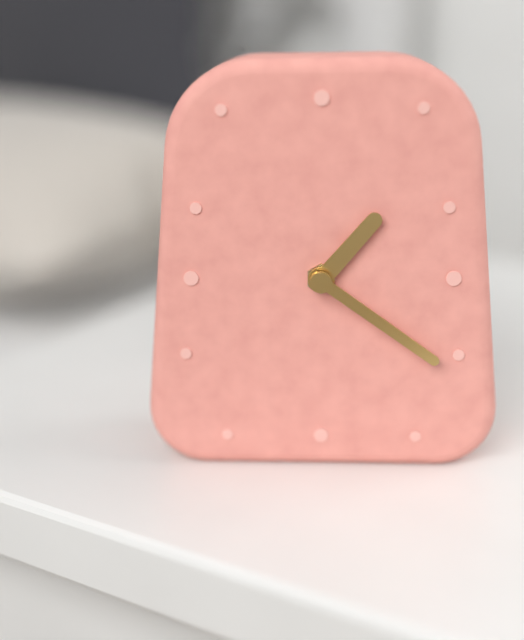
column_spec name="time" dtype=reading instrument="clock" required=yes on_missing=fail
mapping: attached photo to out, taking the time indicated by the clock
1:21
